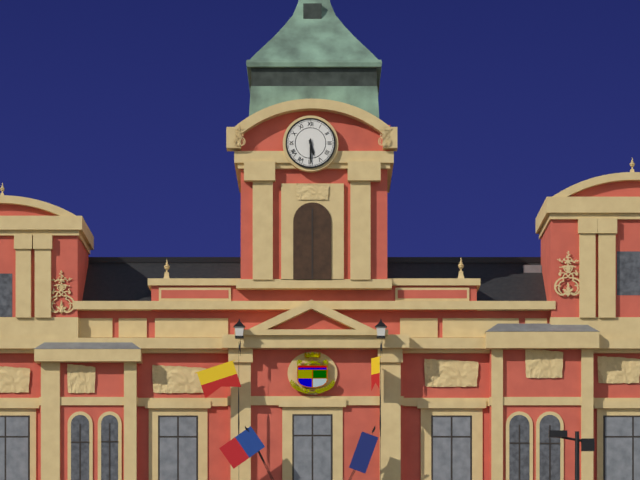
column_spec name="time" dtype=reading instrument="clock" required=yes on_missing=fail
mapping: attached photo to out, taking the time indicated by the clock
5:30
